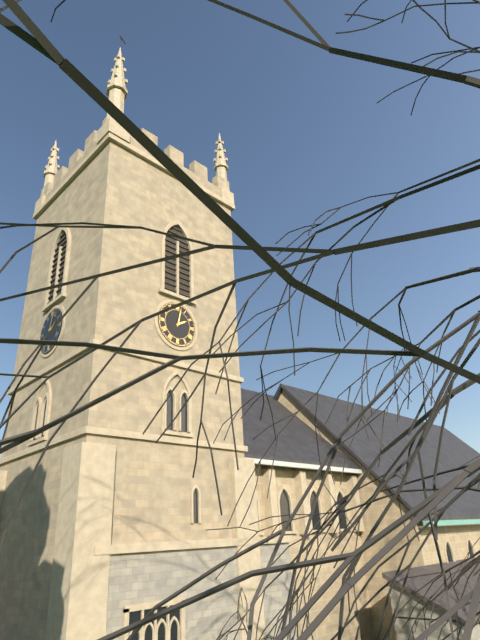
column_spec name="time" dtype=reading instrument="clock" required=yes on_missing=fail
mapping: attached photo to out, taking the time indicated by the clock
2:02
